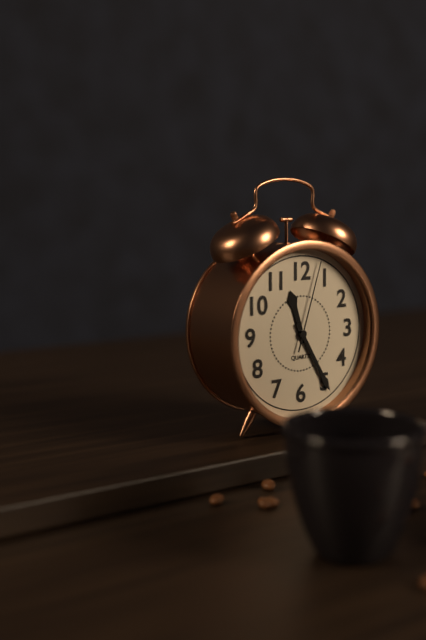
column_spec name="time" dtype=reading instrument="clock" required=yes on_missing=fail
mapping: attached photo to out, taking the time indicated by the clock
11:25:03
